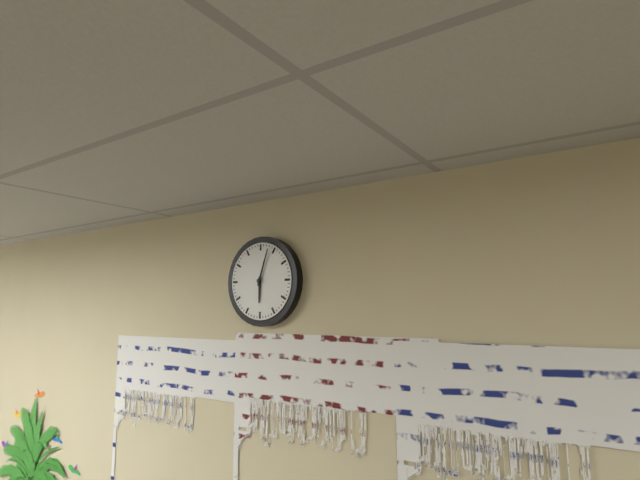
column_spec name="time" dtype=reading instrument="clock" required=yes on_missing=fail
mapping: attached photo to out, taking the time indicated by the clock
6:03
